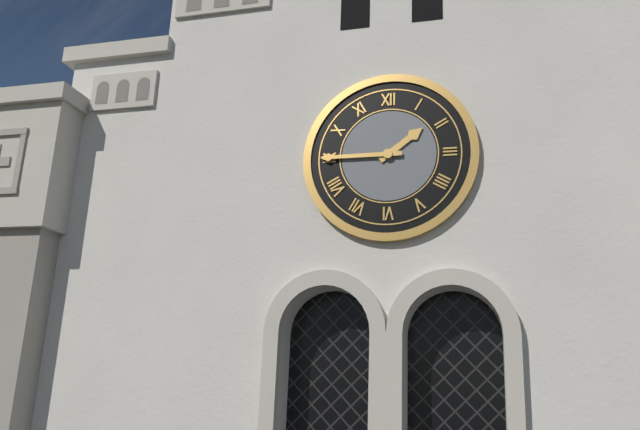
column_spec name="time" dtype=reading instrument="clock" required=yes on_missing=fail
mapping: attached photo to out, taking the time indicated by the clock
1:45
